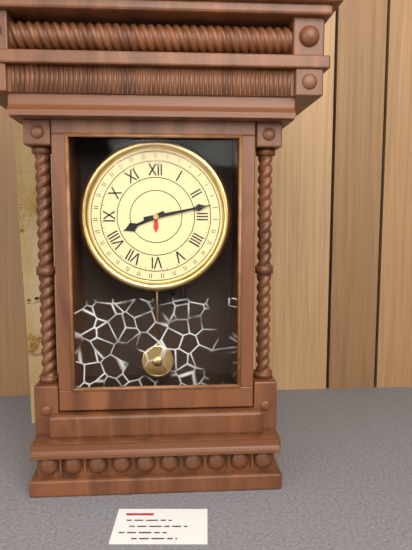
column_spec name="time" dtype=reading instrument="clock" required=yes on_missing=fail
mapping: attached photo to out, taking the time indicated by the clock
8:13
